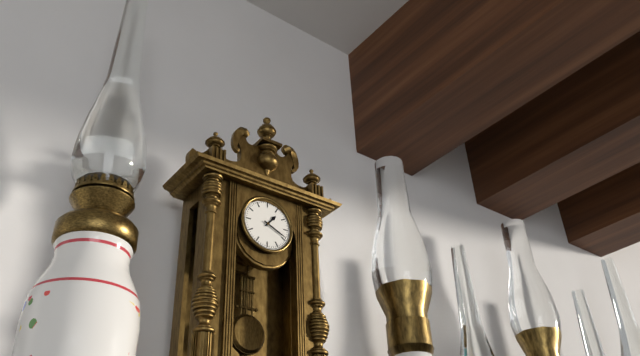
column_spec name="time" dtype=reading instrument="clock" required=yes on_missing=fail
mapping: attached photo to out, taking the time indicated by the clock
1:19
